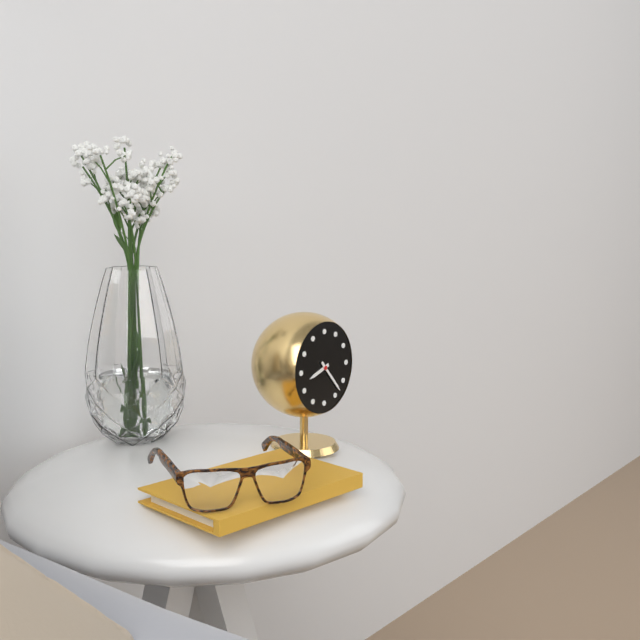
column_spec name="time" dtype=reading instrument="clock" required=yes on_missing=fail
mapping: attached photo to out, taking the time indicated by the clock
8:23
